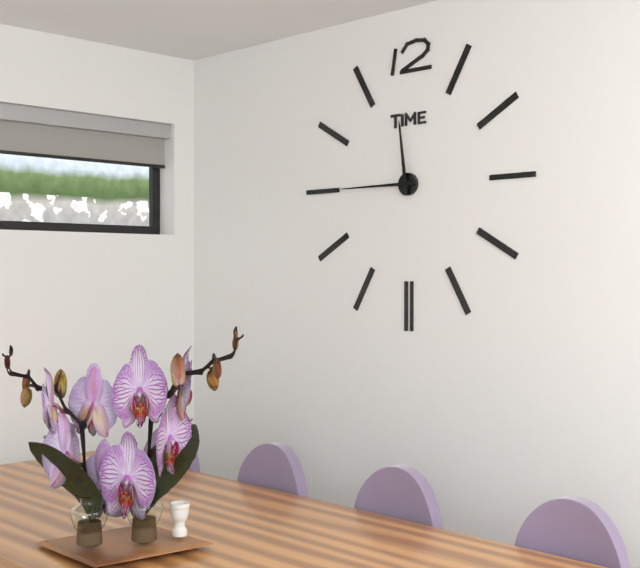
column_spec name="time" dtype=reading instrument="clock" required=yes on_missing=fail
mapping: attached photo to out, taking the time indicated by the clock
11:45
